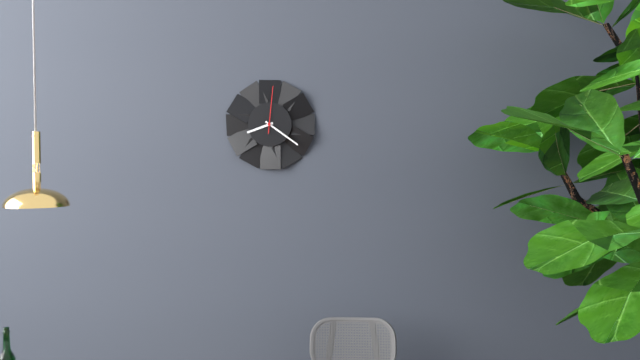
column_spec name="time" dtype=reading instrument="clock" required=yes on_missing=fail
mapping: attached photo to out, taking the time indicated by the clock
8:21
